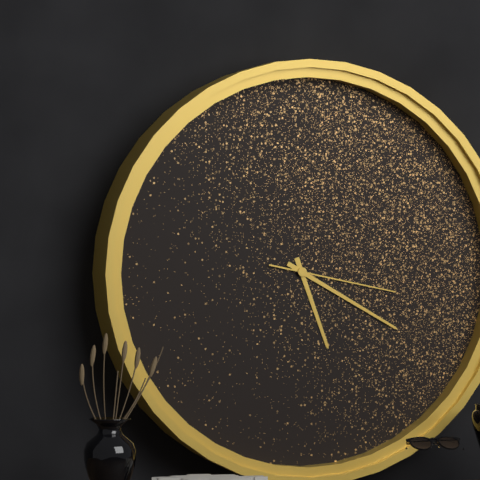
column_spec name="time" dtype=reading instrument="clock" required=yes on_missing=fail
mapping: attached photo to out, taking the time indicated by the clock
5:20:17
